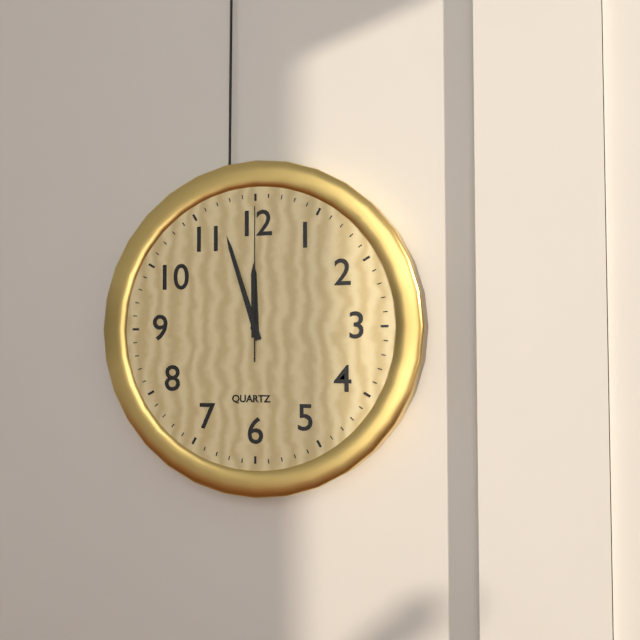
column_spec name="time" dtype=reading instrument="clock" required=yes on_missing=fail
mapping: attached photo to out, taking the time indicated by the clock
11:57:00
